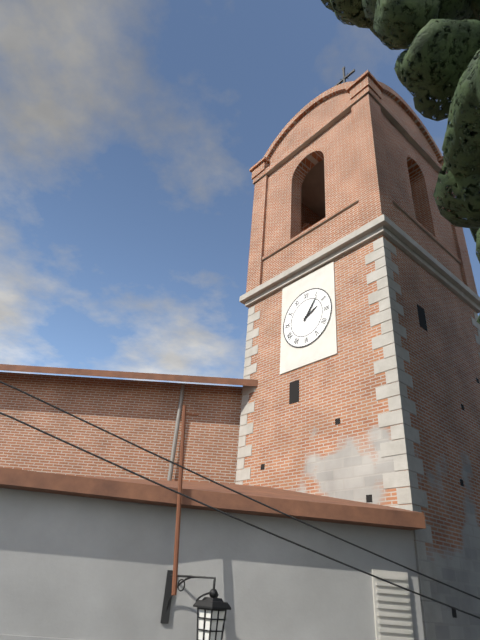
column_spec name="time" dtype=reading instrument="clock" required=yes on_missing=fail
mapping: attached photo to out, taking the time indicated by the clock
2:06
